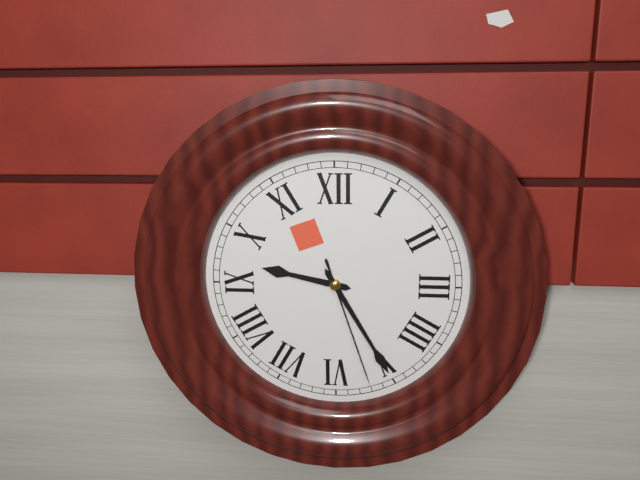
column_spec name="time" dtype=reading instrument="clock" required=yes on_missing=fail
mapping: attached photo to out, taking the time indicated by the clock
9:25:27
